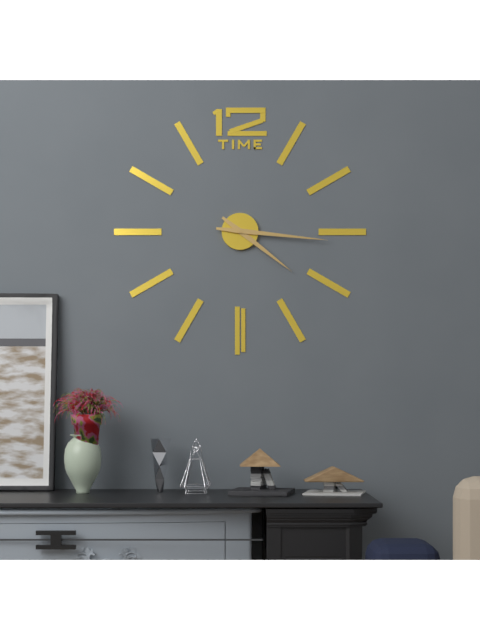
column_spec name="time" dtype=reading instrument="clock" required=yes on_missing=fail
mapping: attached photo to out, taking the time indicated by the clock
4:16
